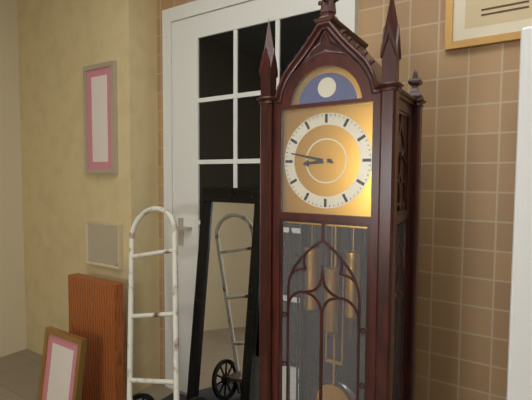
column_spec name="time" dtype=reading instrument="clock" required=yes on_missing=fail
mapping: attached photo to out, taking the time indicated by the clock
8:47
